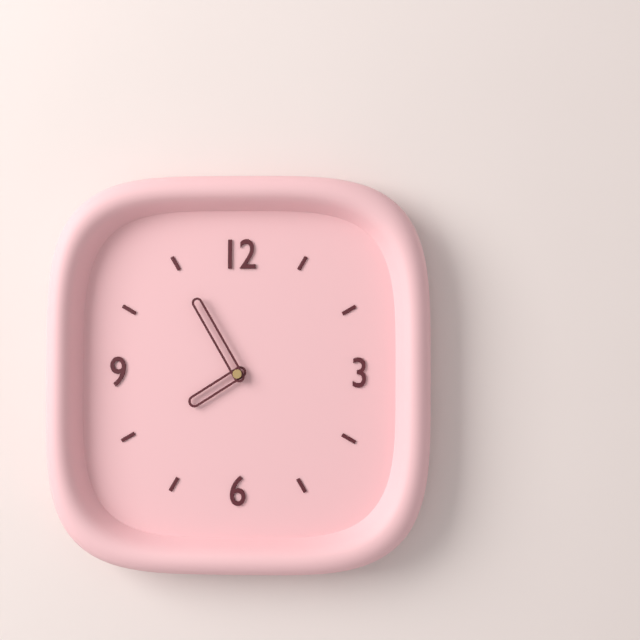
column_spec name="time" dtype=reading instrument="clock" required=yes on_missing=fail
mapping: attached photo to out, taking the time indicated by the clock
7:55
